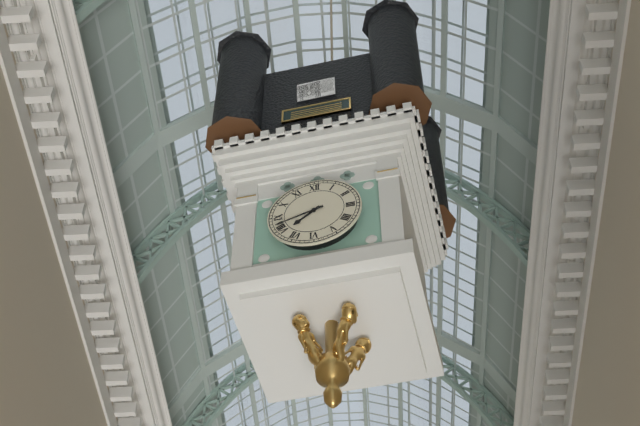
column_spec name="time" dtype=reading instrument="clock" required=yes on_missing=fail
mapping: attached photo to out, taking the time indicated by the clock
7:42
